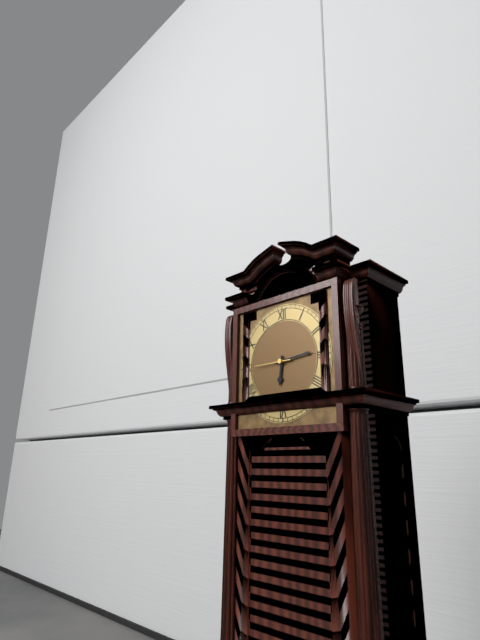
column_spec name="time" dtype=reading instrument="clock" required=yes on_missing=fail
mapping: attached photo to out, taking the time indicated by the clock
6:14
